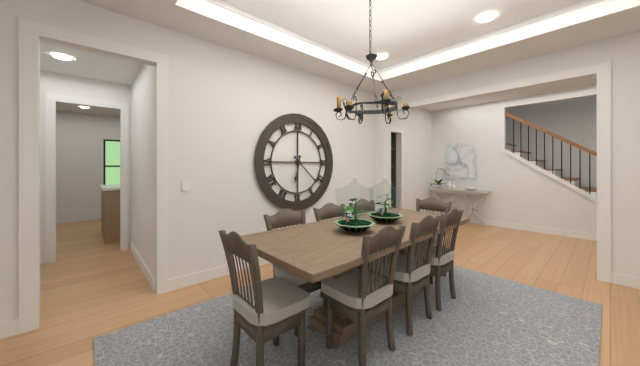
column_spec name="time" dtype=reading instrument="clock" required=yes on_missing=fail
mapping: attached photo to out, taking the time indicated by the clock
6:22
